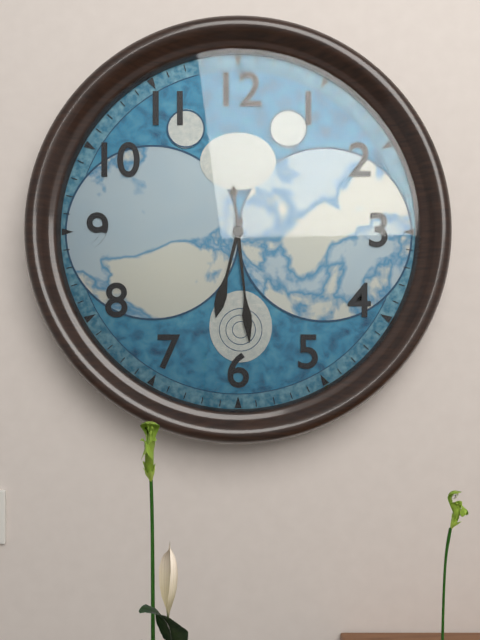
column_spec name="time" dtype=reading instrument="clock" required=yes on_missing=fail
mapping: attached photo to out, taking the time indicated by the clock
6:29
